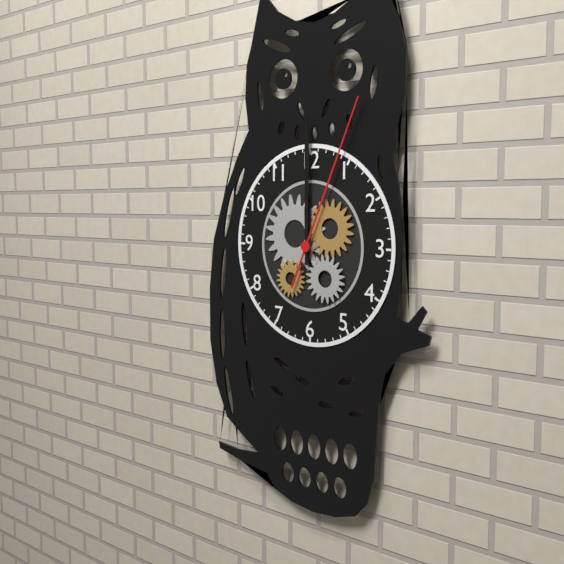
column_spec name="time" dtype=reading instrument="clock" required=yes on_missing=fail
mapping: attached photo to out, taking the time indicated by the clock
12:00:04
